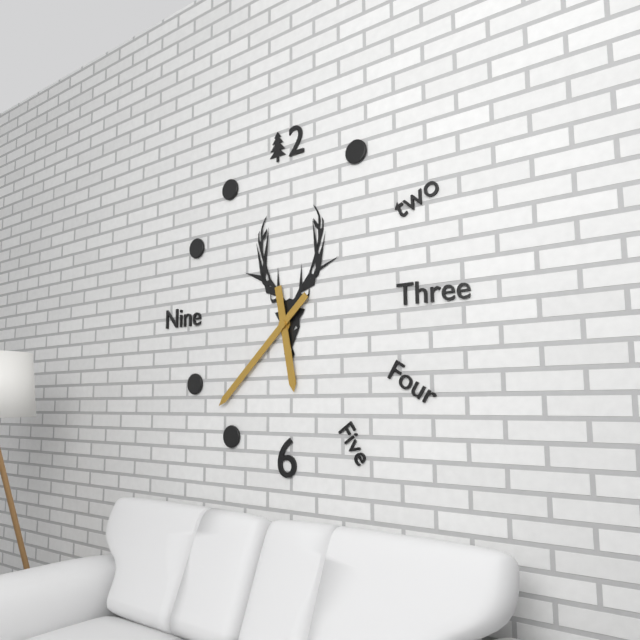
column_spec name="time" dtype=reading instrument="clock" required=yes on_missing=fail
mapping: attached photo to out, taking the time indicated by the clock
5:38
